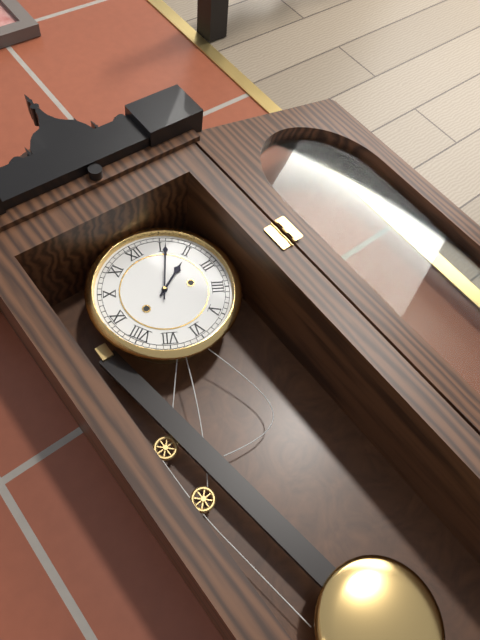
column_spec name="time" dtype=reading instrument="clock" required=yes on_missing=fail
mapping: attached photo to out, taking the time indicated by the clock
2:06
